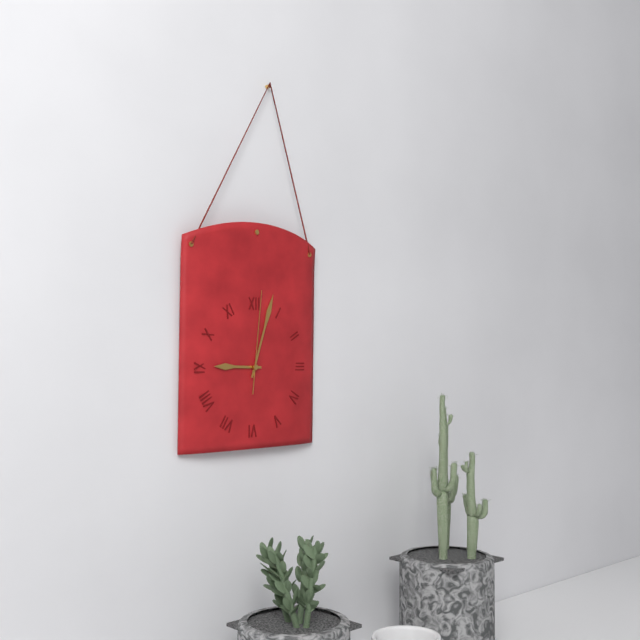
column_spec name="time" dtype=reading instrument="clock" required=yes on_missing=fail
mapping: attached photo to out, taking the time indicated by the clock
9:03:01
